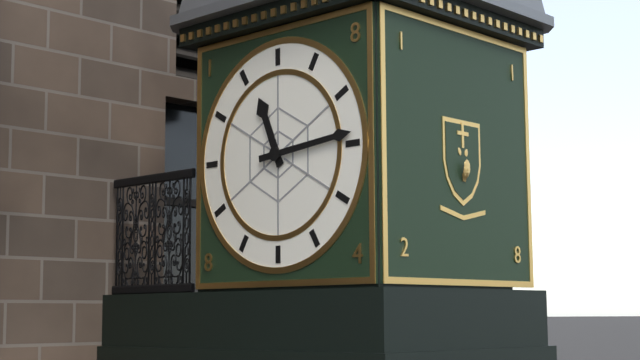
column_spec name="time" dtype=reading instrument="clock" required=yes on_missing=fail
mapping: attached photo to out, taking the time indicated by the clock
11:14
